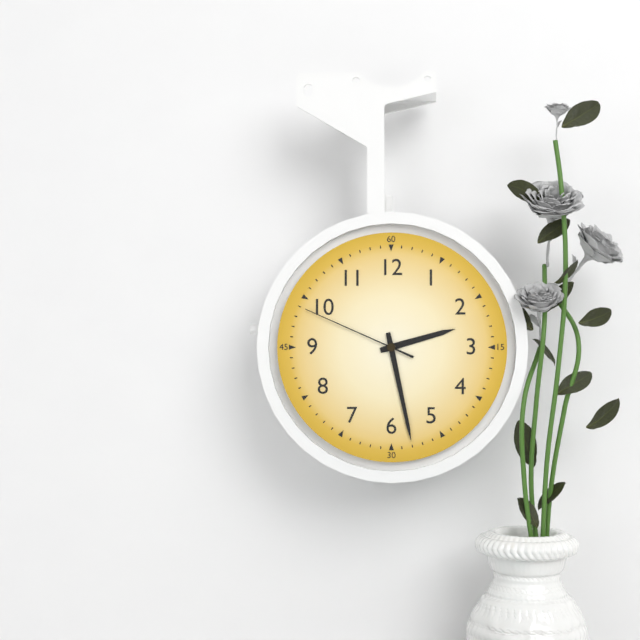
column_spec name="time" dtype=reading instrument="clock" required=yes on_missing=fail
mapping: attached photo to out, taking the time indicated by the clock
2:28:49
